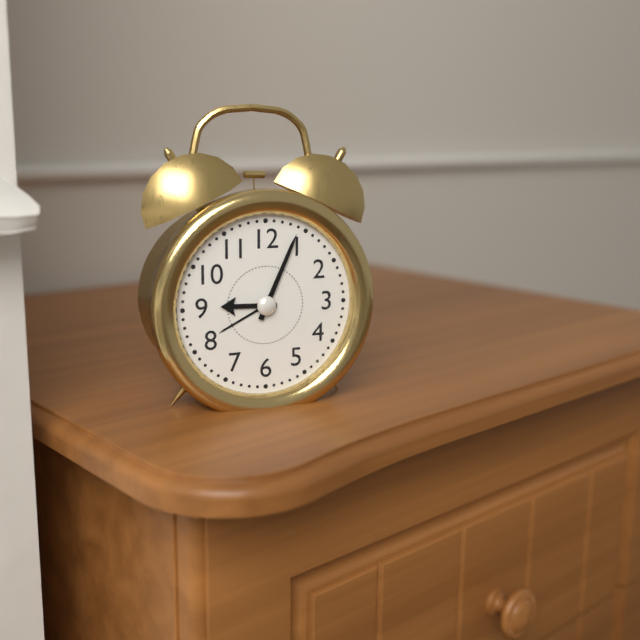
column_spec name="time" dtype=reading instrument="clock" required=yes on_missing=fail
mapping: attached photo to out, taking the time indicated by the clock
9:04
